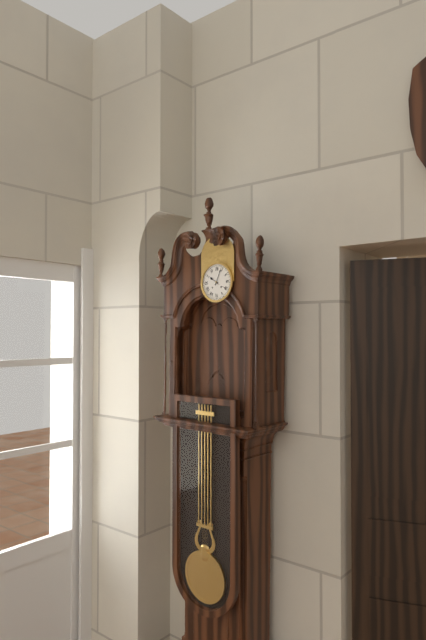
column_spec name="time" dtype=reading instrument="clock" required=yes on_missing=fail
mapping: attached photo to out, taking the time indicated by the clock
10:04
